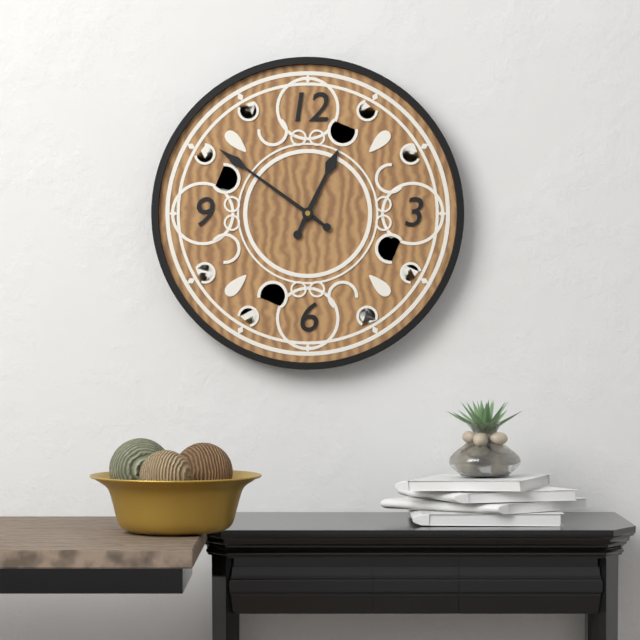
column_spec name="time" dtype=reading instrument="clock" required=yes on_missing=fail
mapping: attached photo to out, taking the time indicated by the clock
12:51
